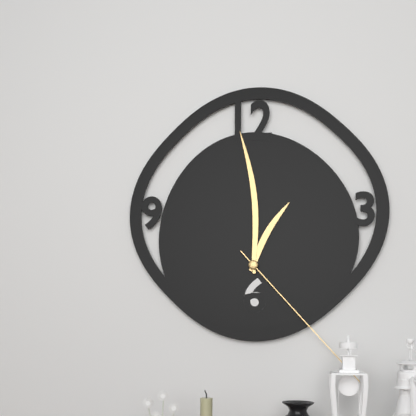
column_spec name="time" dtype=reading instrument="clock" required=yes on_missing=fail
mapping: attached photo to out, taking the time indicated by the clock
12:59:23
